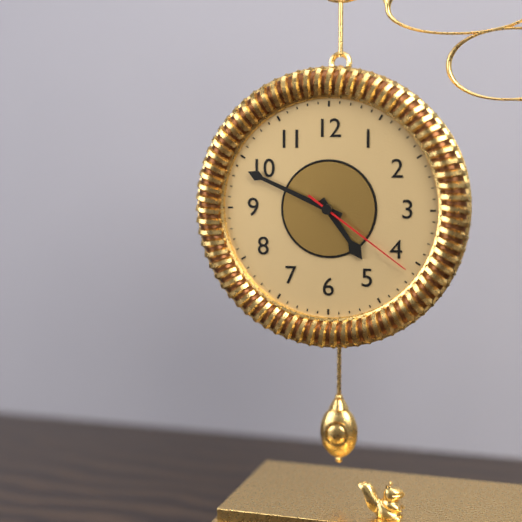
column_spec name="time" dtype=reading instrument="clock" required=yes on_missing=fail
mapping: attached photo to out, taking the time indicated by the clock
4:49:21
